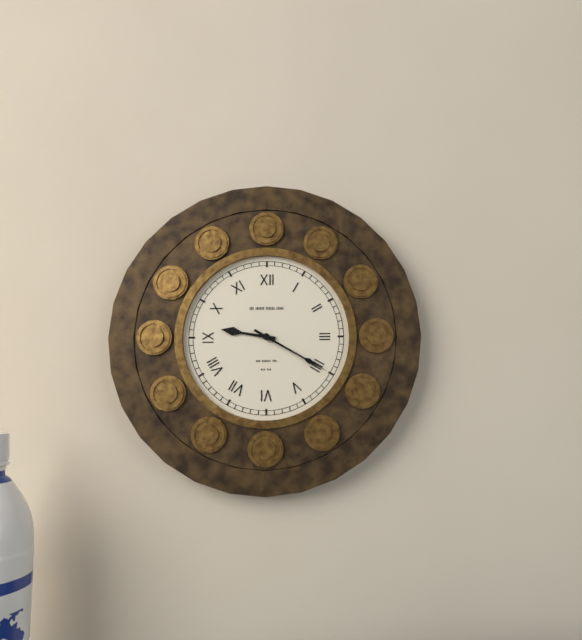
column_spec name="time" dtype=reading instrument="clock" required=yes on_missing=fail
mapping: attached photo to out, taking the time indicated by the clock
9:20
